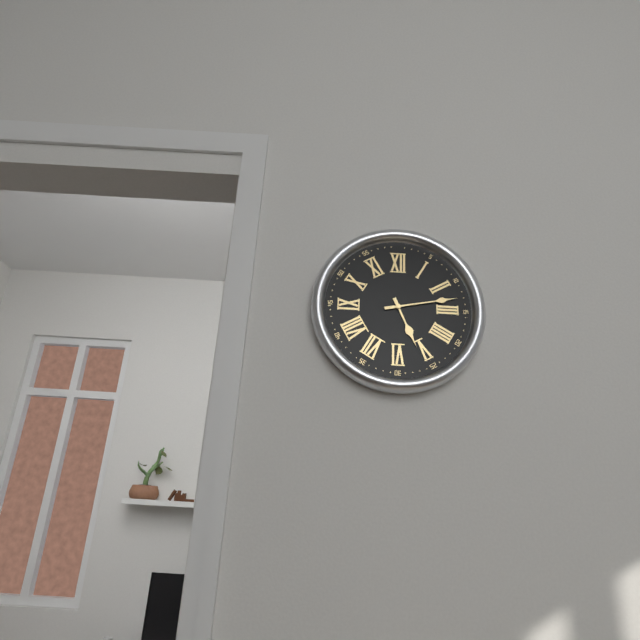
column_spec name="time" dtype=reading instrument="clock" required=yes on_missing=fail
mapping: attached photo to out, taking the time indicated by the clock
5:13
